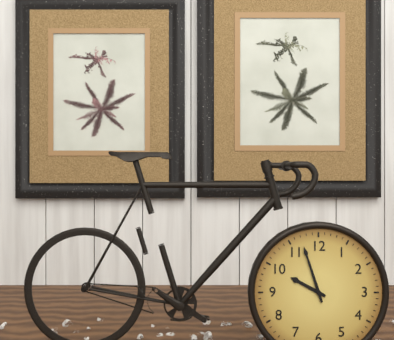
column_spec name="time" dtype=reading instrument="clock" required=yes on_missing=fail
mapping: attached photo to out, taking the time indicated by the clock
9:57
